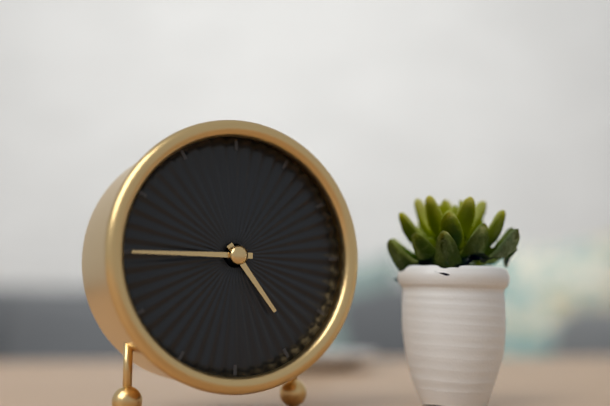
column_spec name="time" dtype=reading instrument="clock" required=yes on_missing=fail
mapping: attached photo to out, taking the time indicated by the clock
4:45
